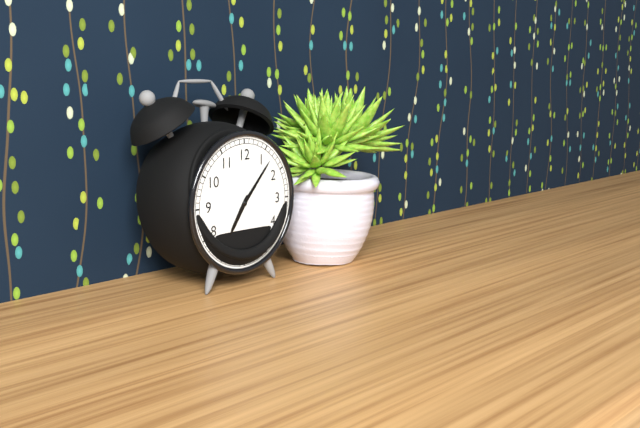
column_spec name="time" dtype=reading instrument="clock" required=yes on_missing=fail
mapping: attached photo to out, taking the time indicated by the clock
7:07
